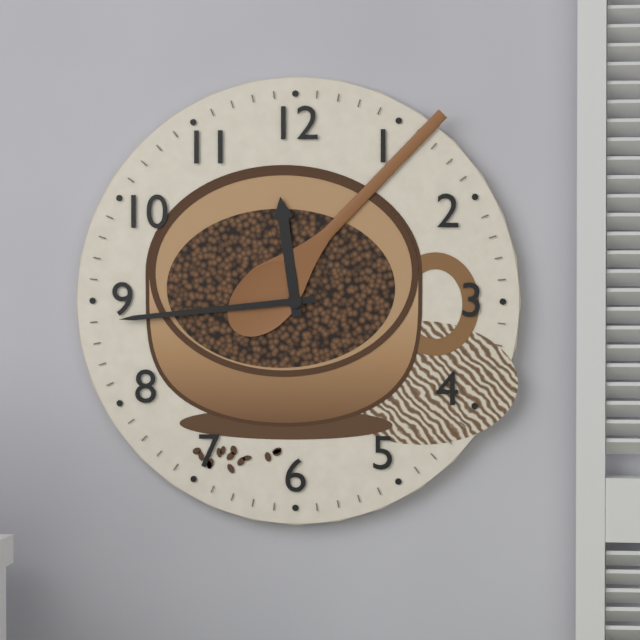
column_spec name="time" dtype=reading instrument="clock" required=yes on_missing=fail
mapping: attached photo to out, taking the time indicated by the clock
11:44
